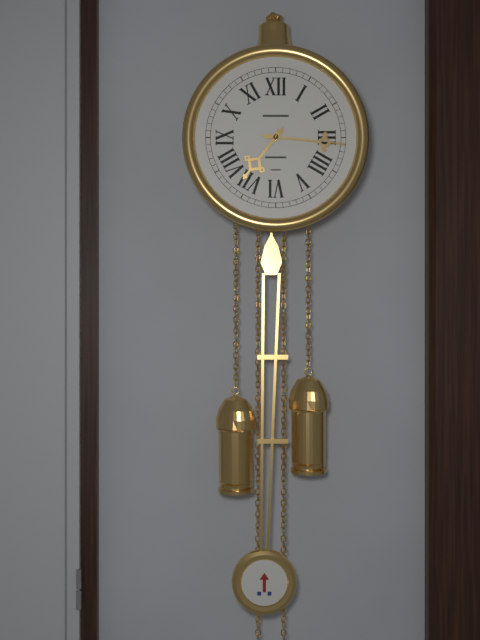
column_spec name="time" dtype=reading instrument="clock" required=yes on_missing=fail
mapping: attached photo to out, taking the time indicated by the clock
7:16
